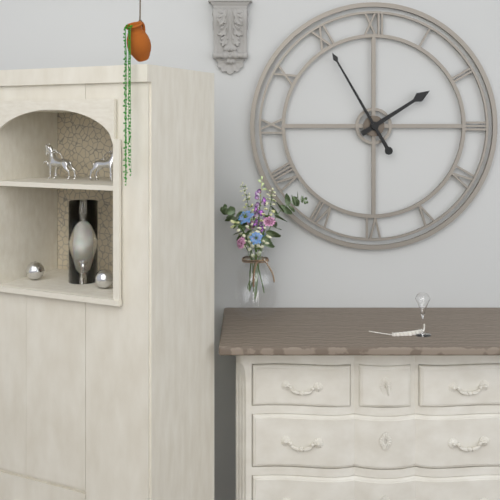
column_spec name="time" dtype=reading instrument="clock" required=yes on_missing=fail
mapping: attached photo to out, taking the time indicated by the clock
1:55
